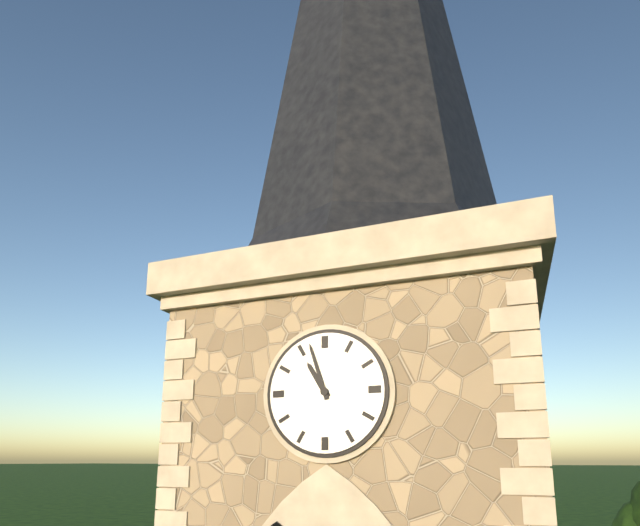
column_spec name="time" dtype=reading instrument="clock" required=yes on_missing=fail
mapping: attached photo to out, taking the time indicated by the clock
10:57
